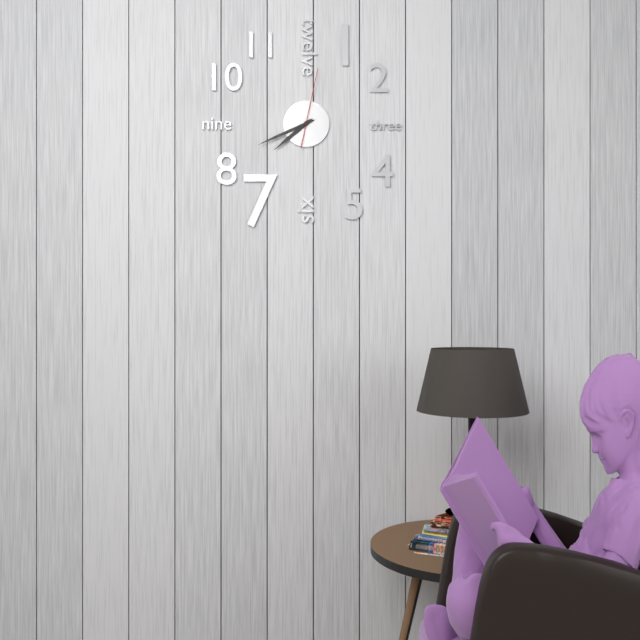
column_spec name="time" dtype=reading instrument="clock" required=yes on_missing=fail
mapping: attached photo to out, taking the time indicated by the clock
7:41:02
